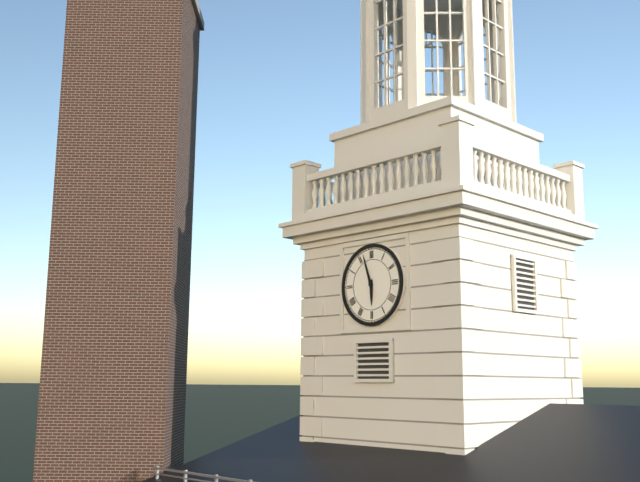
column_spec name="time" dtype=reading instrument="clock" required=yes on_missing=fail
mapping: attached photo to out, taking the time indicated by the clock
5:57
